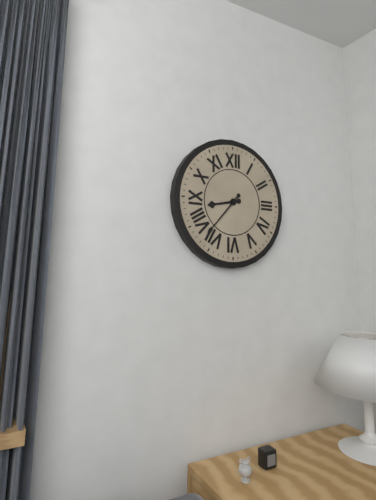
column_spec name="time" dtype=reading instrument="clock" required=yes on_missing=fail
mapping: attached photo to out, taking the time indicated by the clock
8:37
